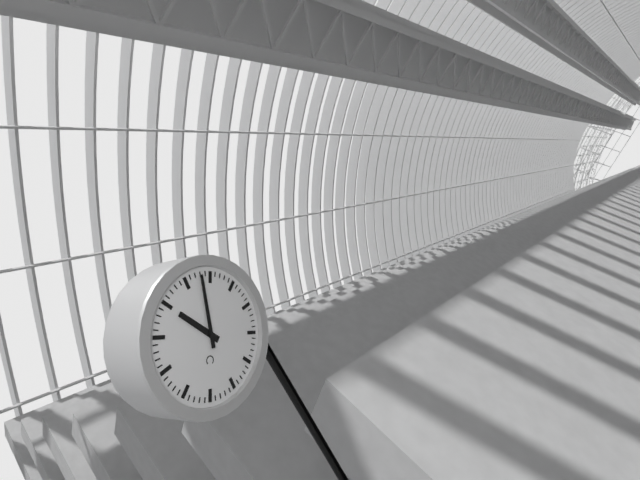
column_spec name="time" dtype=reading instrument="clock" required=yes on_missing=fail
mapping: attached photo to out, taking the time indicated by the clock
9:58
